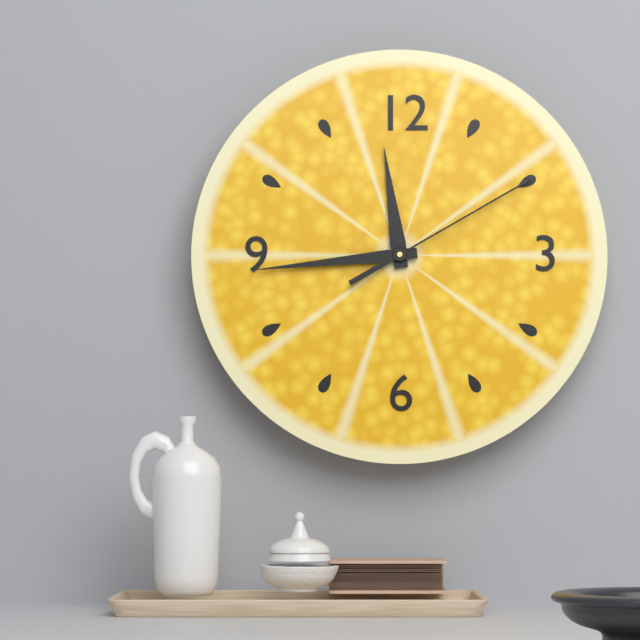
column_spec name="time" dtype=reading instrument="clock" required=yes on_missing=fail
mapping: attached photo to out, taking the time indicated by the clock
11:44:10
